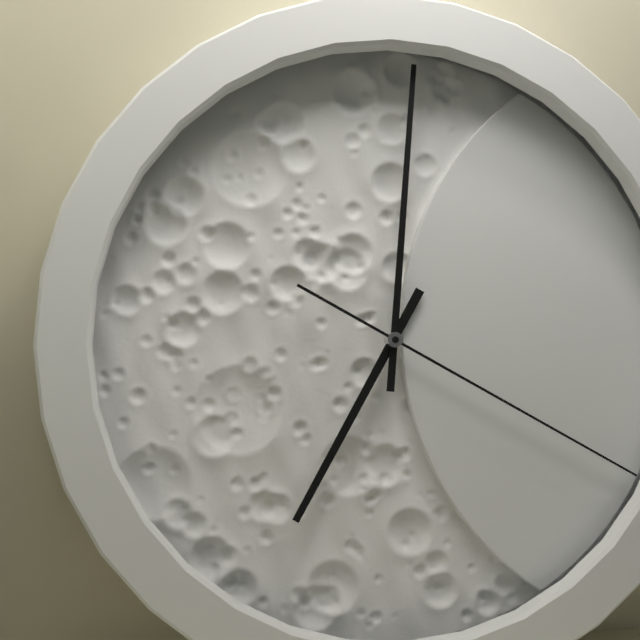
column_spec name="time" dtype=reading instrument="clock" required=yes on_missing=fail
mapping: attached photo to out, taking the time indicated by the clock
7:01:20
